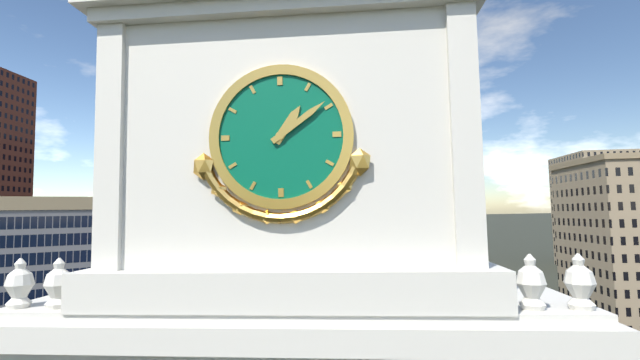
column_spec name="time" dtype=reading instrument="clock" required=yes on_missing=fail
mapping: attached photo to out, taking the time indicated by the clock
1:09
